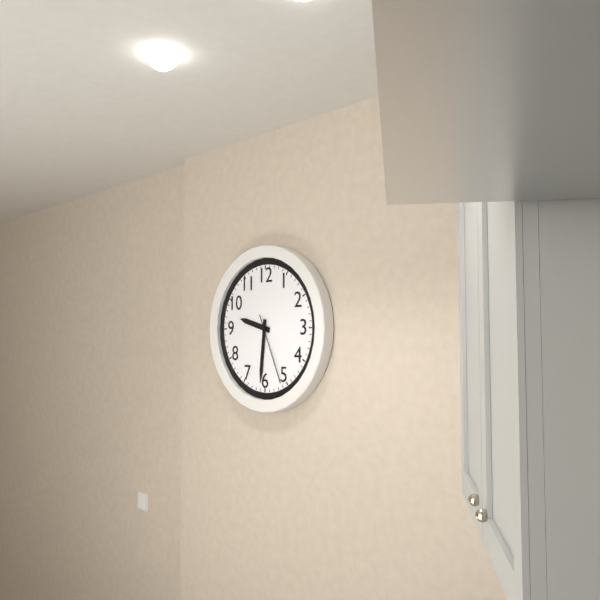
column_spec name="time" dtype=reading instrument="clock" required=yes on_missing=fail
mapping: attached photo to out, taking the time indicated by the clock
9:31:26
